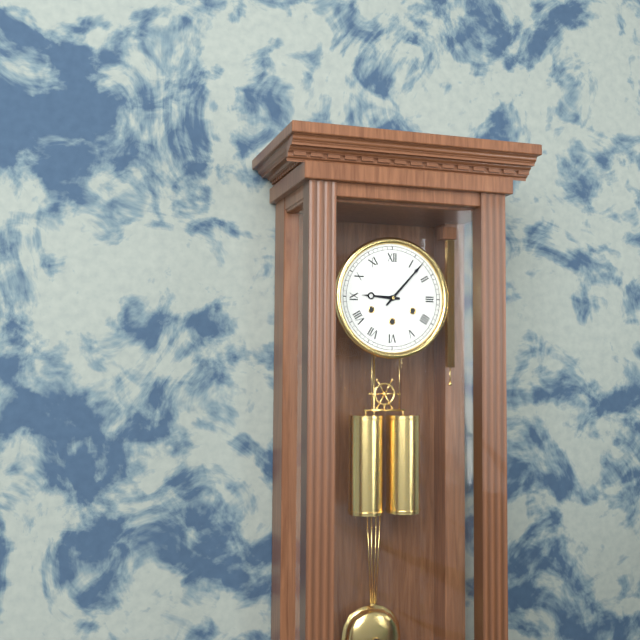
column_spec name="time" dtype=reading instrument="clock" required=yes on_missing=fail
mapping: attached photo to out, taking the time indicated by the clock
9:07
